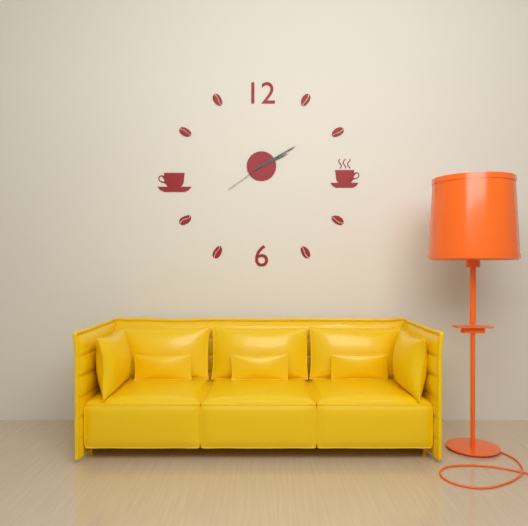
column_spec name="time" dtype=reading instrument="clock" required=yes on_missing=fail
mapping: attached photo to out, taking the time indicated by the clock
2:10:39
